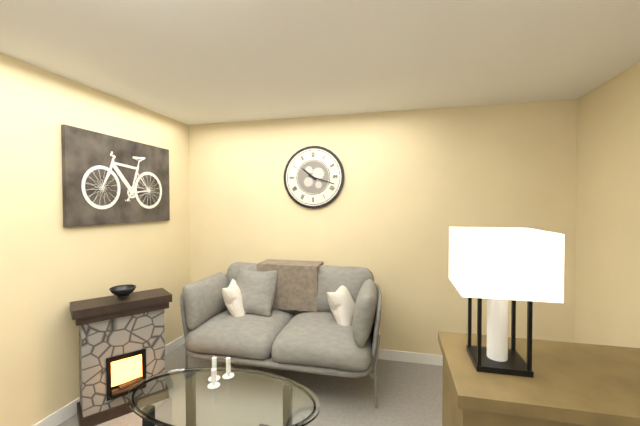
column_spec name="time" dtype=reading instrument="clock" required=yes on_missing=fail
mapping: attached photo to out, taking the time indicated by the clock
10:18
